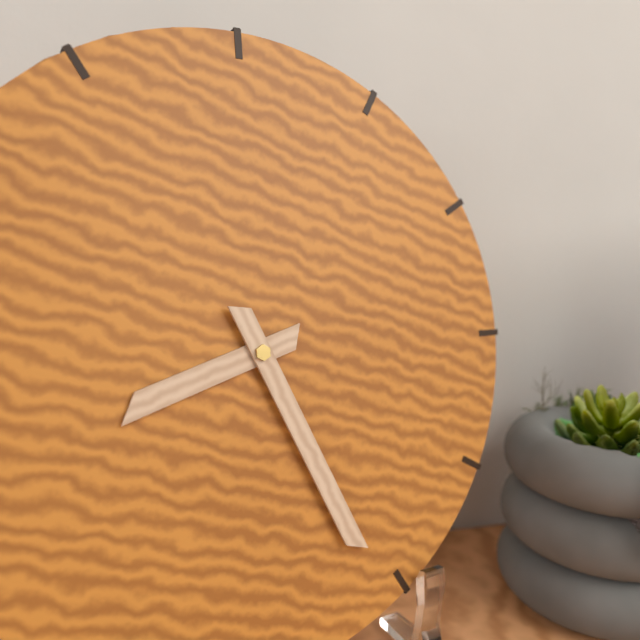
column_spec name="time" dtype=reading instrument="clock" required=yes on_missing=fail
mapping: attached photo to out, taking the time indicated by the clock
8:26
